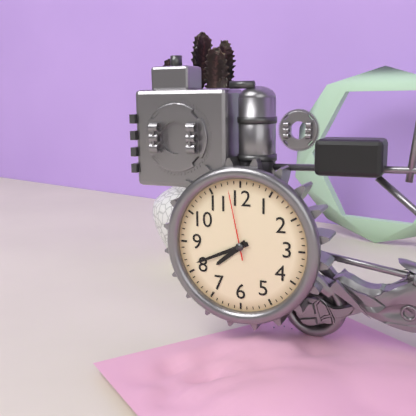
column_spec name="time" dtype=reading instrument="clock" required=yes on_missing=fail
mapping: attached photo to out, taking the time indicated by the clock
7:41:58
